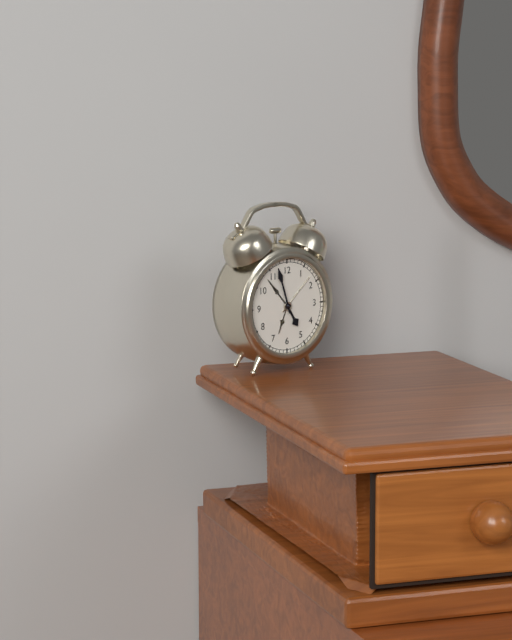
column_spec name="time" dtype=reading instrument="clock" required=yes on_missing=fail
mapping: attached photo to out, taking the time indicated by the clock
4:57
